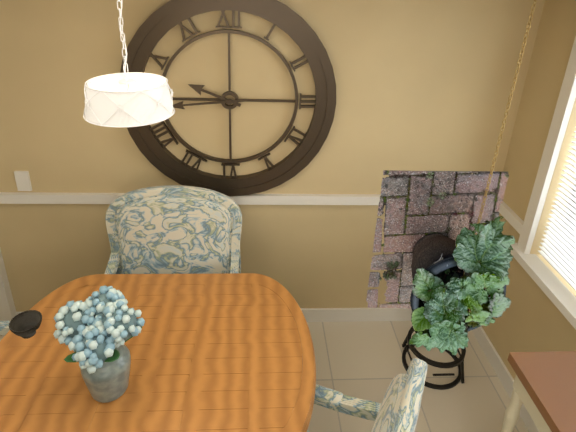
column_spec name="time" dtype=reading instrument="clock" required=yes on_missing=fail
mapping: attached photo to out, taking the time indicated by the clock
9:44
